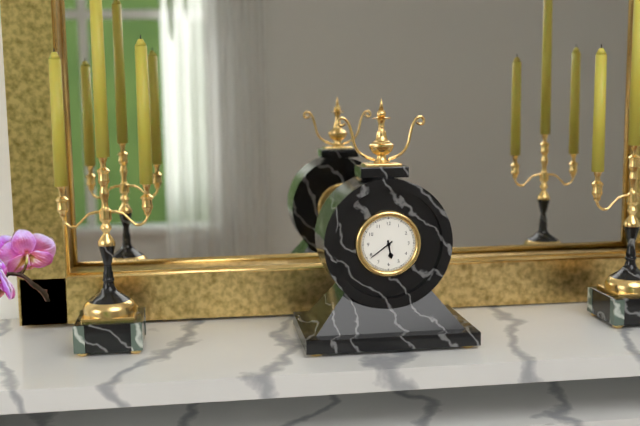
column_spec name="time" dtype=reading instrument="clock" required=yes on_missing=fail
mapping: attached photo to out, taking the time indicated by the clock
5:39
